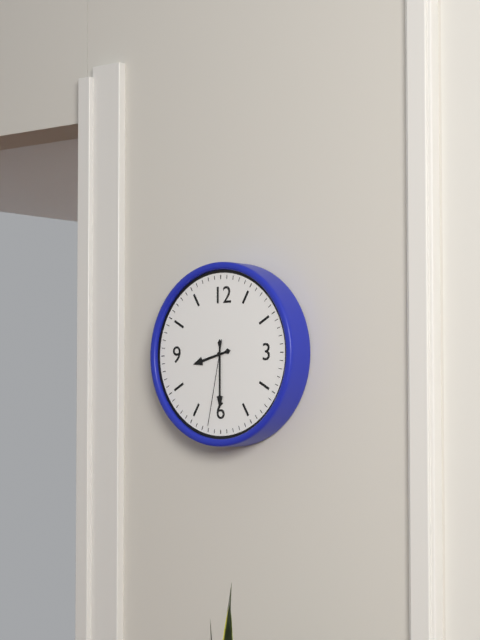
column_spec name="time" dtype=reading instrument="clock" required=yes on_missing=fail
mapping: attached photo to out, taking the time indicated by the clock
8:30:32
